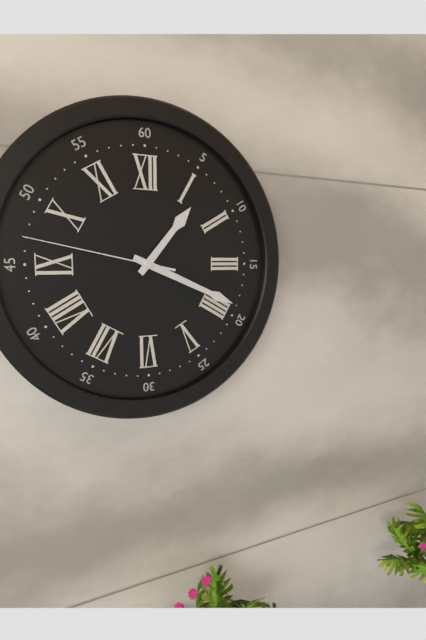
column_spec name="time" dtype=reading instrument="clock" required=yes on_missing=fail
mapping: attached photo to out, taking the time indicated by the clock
1:19:47
